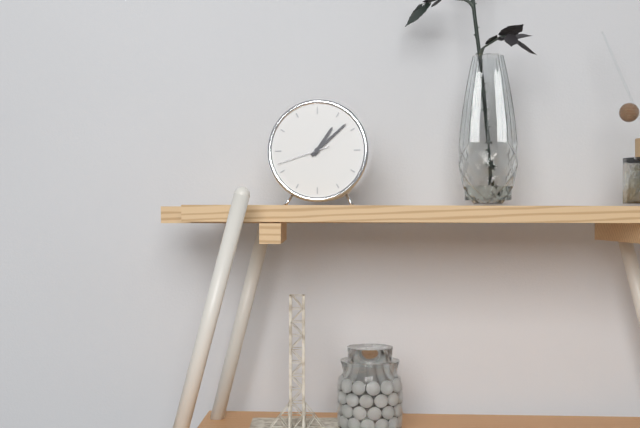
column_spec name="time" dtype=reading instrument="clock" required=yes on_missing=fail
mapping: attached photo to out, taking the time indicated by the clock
1:08:42
